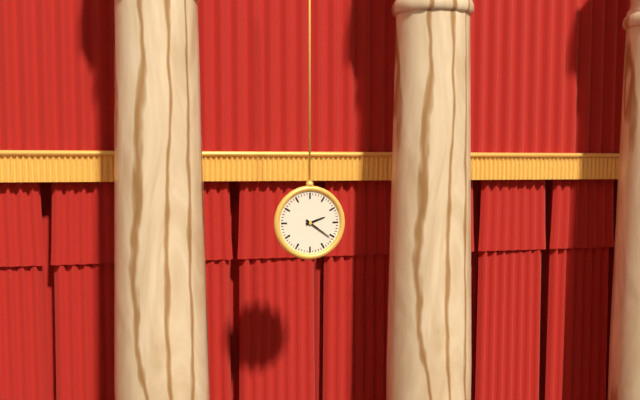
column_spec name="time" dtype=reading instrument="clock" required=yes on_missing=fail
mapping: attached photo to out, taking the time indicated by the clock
2:21
